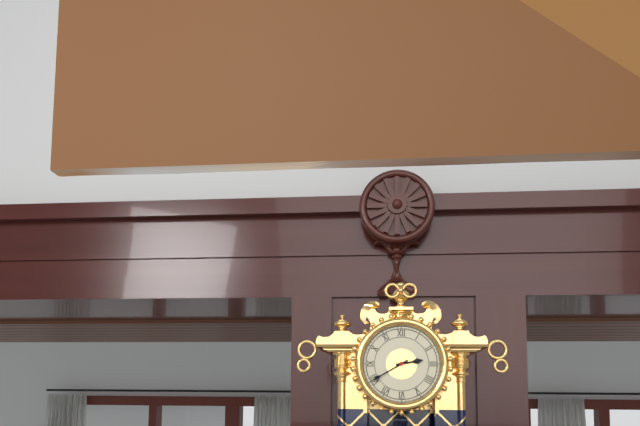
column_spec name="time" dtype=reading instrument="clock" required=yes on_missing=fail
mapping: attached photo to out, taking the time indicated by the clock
2:40
